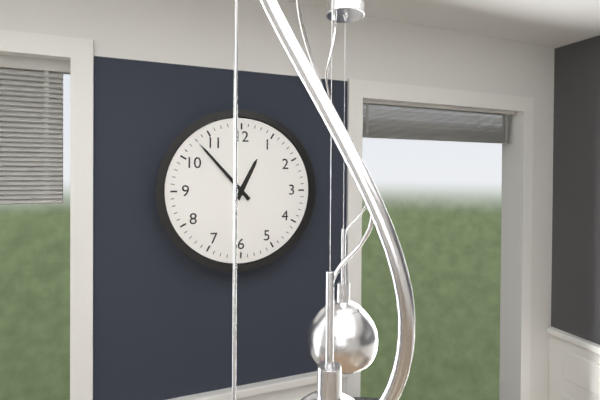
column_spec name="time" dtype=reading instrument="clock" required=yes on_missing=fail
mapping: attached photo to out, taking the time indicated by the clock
12:53
